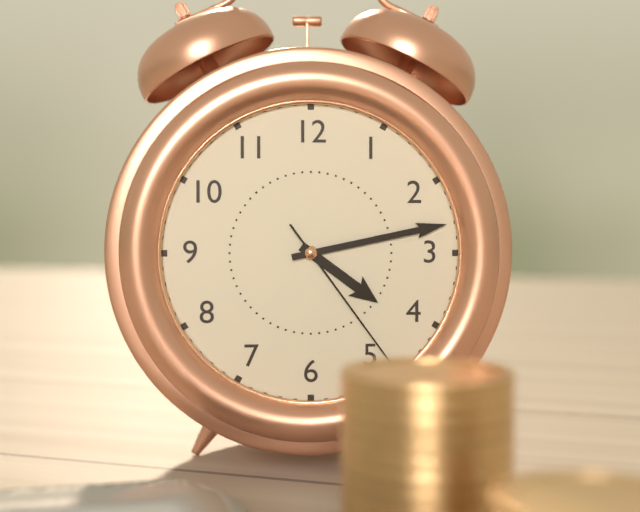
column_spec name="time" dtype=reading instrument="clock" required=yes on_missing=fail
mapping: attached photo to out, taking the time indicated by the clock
4:13:24
